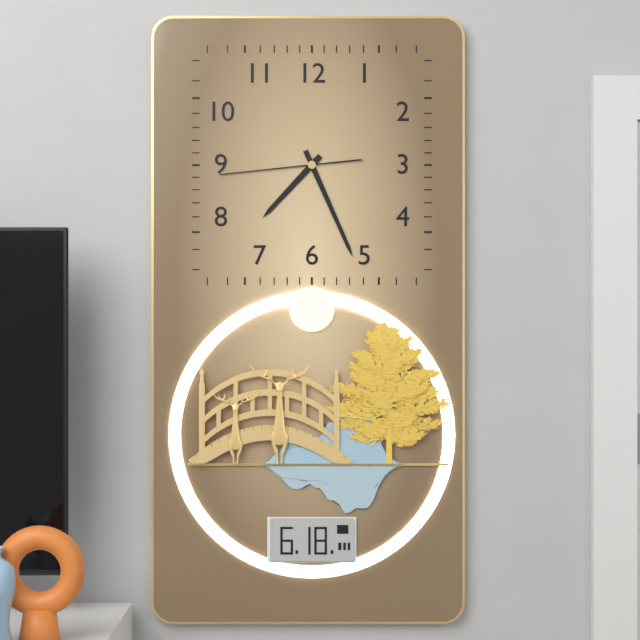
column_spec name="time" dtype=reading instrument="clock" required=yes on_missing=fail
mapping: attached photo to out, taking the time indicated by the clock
7:26:44
